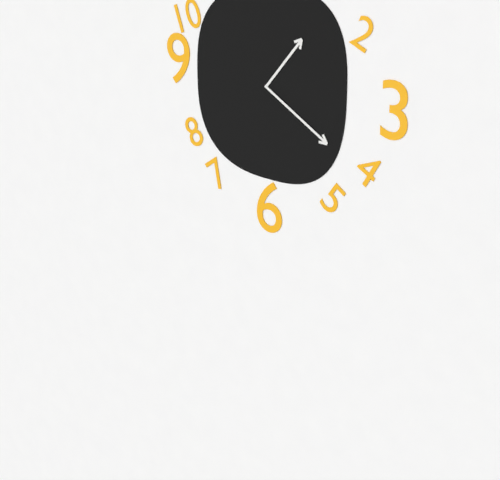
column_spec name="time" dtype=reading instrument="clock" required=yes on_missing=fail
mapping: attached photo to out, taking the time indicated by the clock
1:20
